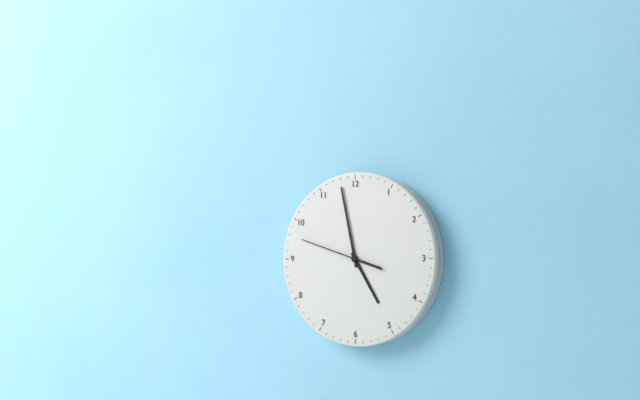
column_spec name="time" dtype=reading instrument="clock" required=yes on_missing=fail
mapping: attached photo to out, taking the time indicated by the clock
4:58:48
